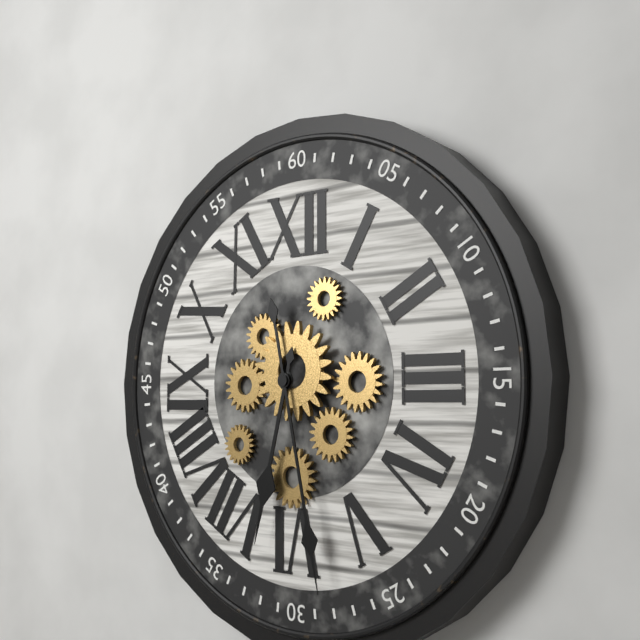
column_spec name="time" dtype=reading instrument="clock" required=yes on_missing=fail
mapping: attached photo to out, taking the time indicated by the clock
6:28
